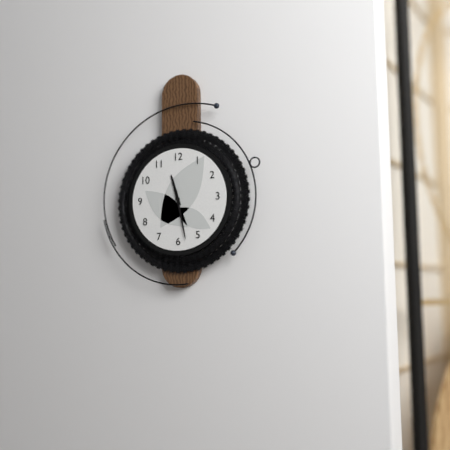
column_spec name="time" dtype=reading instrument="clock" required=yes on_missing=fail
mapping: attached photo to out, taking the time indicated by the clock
11:28
